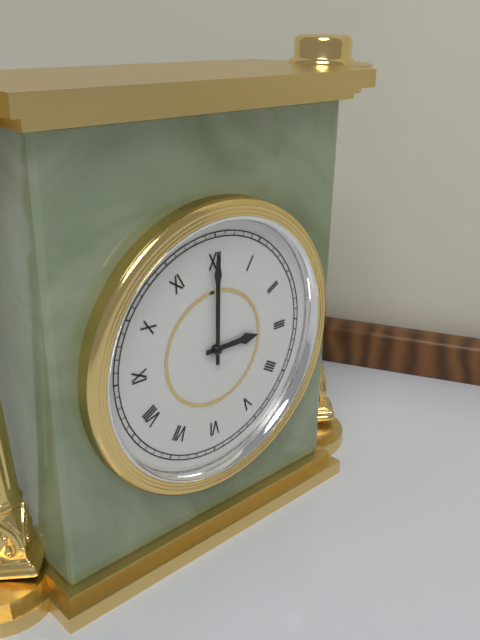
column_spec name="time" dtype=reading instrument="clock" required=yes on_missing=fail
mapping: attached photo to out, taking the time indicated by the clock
3:00
